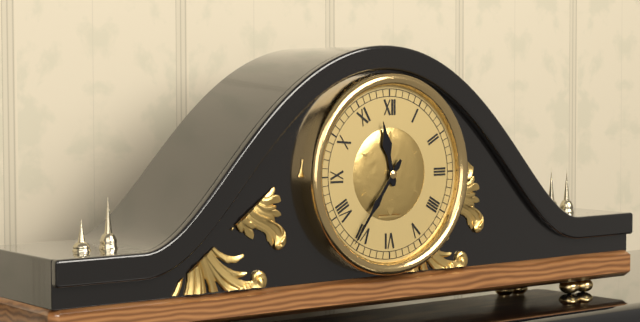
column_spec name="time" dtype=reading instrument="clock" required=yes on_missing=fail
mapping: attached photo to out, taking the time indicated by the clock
11:36
